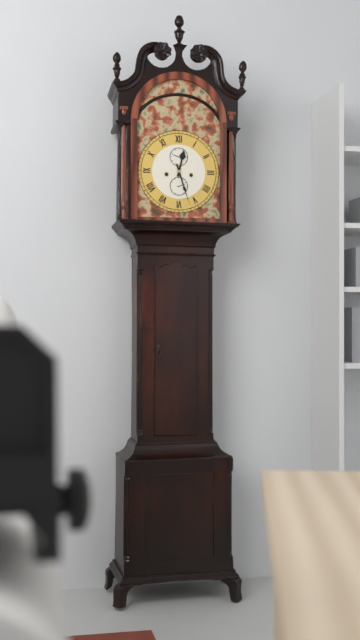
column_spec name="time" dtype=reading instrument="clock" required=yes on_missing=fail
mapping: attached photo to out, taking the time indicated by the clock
12:27
